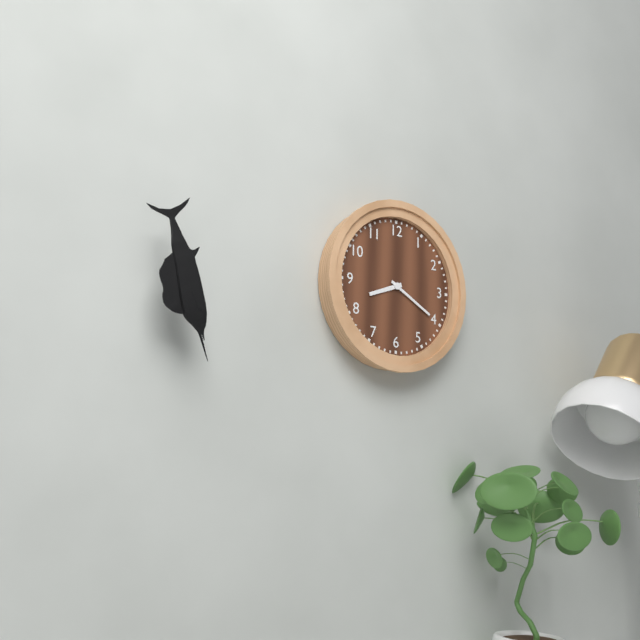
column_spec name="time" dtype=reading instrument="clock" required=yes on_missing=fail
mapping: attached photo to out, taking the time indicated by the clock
8:20
